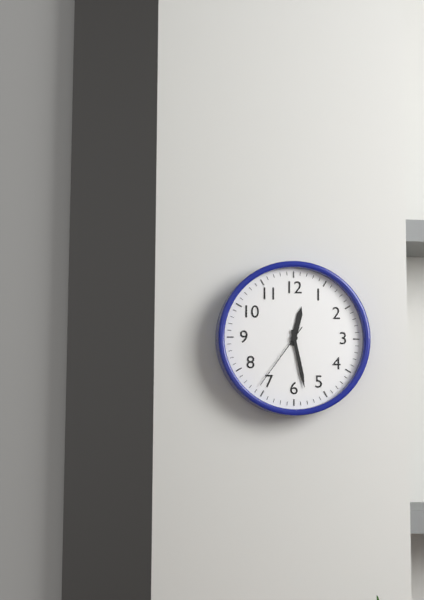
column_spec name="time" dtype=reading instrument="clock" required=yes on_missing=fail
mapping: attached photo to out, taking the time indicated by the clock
12:28:36
